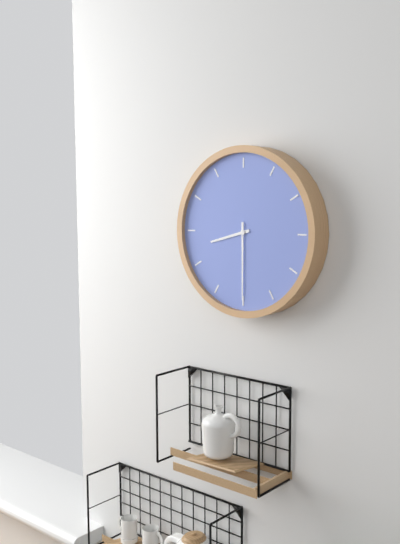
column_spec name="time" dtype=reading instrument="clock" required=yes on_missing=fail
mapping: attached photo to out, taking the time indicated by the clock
8:30
